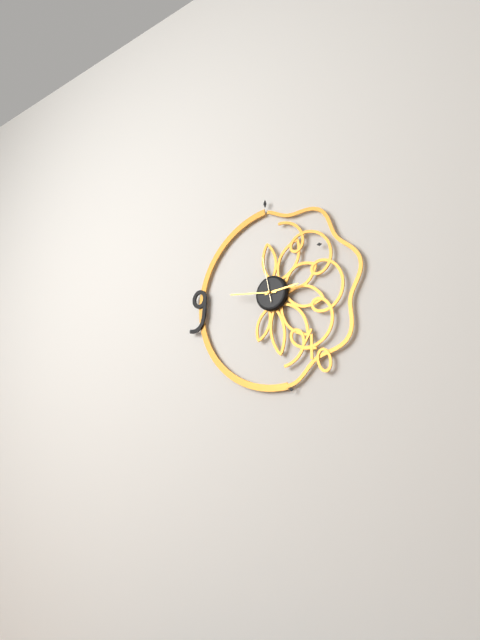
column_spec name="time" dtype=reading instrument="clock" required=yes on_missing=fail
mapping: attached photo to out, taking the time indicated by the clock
2:46
